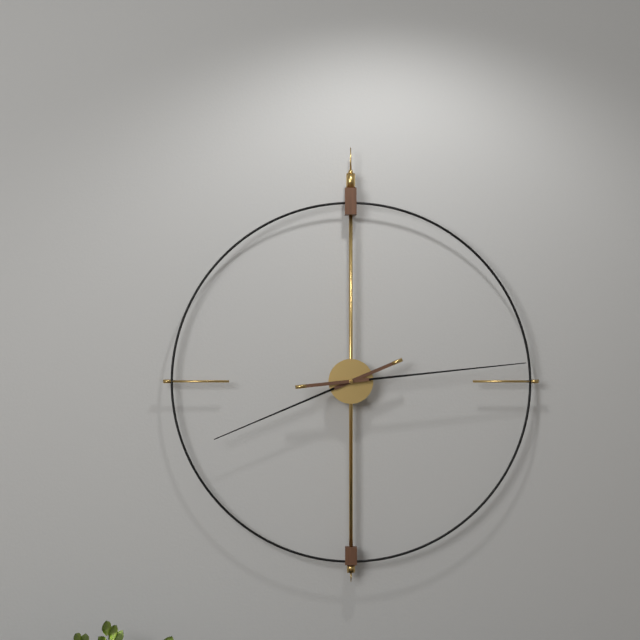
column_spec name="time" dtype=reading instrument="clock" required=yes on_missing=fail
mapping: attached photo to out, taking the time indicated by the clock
8:14
